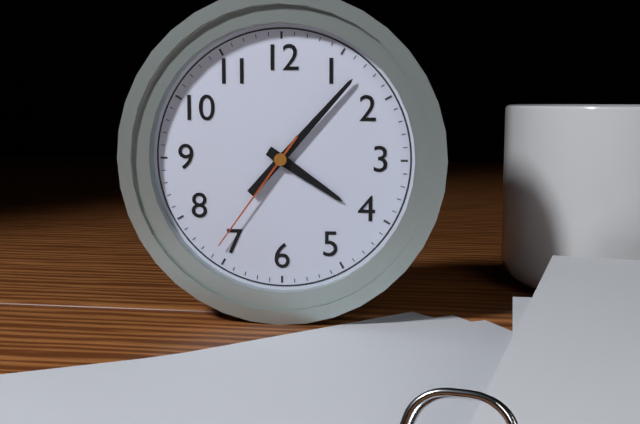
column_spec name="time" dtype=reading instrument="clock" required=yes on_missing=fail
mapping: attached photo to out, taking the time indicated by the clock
4:07:36
